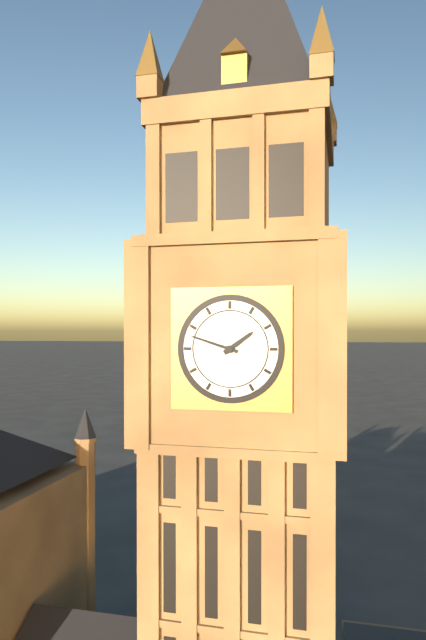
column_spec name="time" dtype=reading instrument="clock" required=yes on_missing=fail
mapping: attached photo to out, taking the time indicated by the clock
1:48
